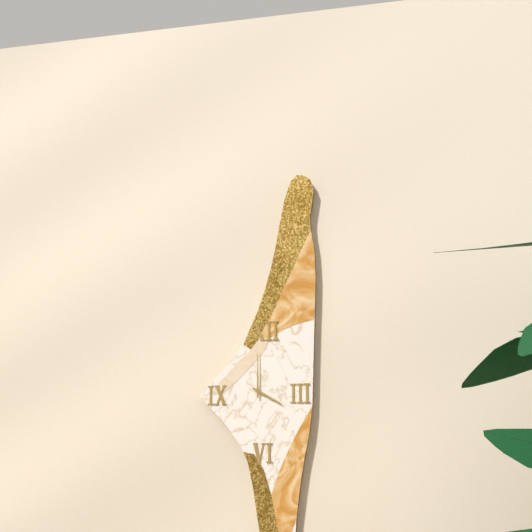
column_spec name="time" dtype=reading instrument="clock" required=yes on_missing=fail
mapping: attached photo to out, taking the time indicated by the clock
4:00
